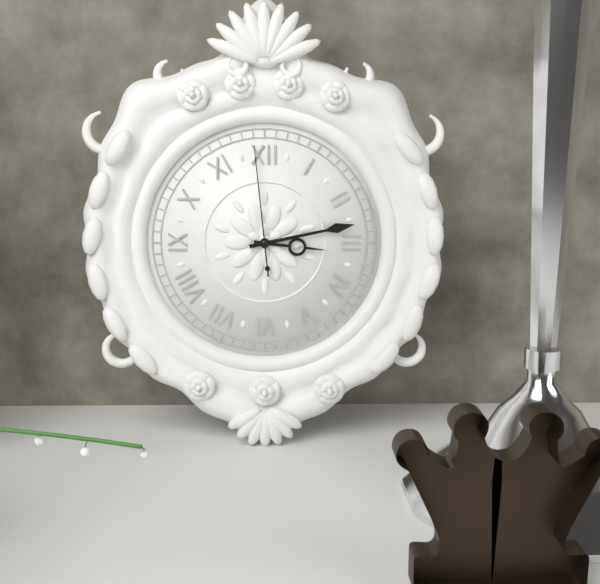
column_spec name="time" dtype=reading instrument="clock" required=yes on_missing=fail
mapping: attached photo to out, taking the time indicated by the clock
3:13:59
